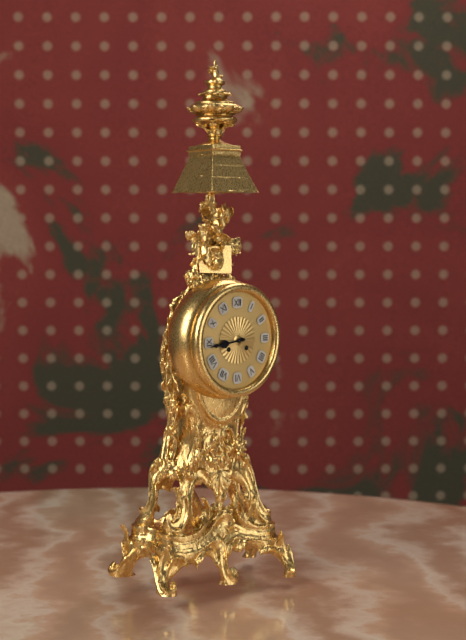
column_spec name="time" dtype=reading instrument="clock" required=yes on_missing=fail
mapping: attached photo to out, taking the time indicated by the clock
8:44
